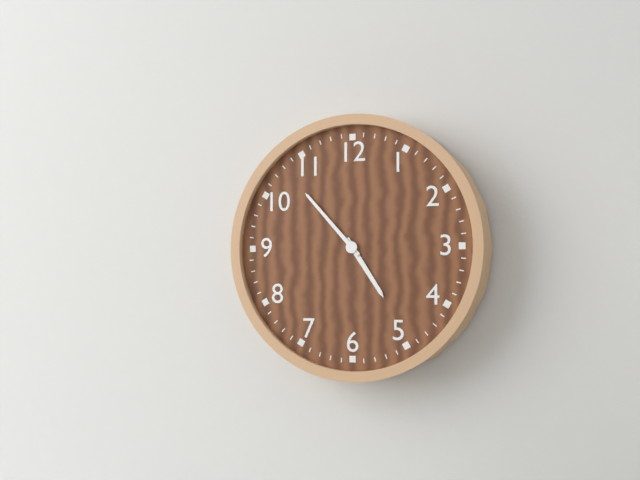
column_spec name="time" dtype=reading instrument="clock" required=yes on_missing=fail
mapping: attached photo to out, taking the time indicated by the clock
4:53
